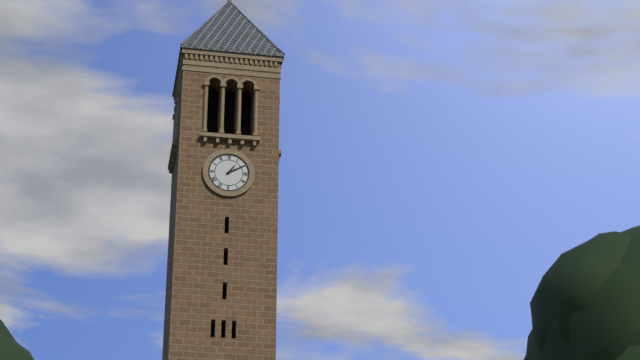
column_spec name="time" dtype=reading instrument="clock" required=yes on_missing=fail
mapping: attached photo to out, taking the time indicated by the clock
1:10
